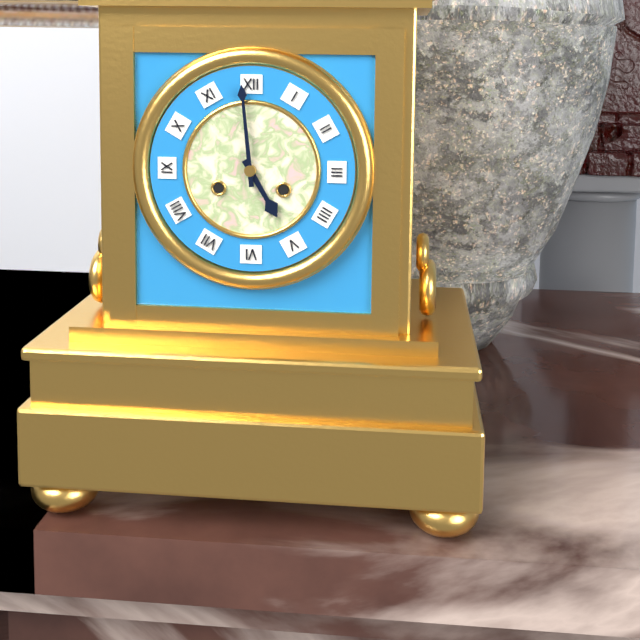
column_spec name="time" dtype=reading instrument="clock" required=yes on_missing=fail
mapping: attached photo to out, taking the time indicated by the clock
4:59
